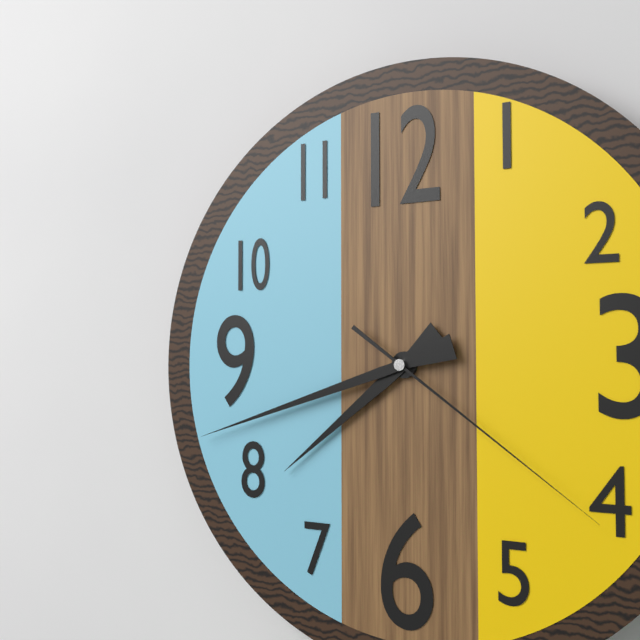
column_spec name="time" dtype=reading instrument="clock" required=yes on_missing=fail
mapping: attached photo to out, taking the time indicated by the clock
7:42:21
